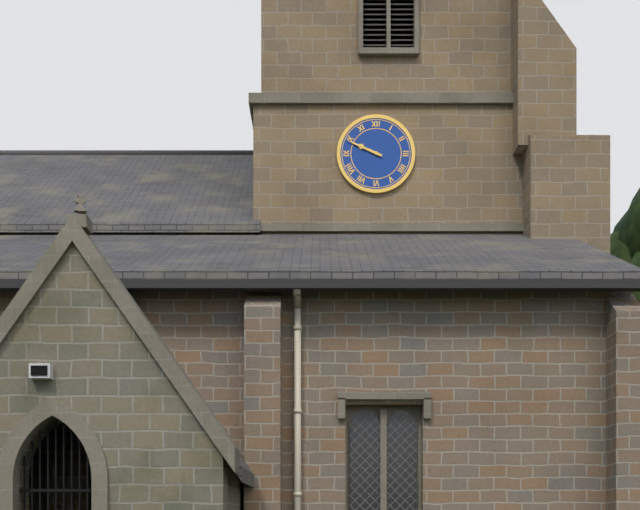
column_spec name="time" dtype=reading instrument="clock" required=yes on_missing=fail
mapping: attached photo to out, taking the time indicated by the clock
9:49
